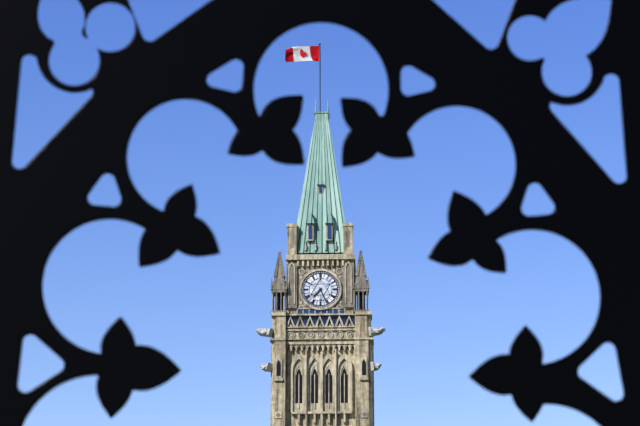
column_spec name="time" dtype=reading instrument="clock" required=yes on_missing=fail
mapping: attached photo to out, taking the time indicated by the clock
7:26
